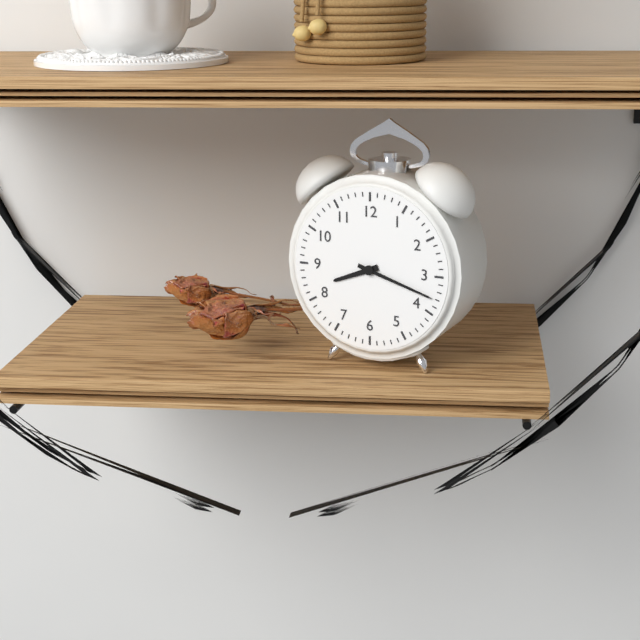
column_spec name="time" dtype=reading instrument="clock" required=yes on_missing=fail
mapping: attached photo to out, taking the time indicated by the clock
8:18
